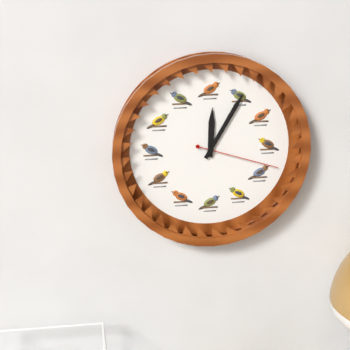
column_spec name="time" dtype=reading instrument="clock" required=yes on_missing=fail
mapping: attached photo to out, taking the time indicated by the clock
12:05:18
